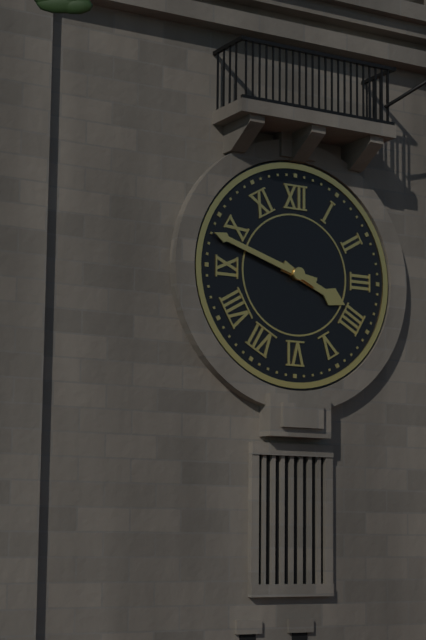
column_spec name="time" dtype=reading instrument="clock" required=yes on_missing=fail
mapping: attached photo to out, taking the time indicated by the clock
3:48
